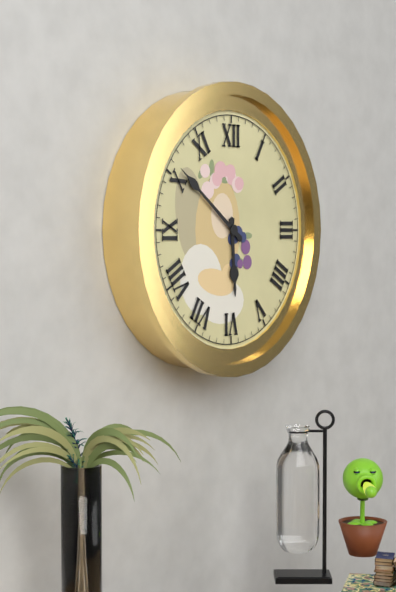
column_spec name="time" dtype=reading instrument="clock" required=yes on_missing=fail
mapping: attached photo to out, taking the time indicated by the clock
5:51
